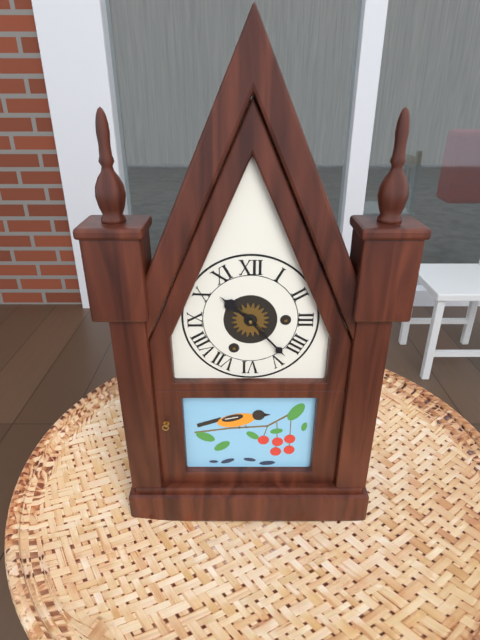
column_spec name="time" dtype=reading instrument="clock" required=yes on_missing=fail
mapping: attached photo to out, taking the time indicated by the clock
10:23
